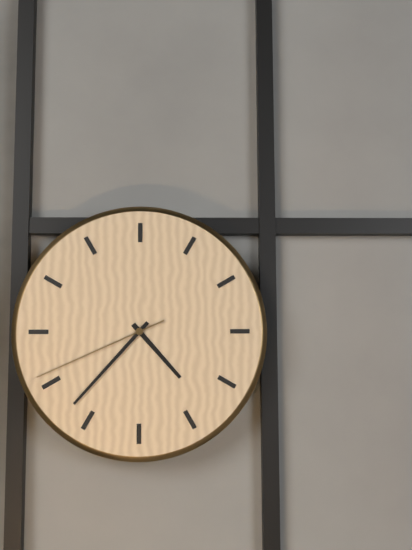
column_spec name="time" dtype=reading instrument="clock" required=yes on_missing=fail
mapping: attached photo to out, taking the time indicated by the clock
4:37:41
